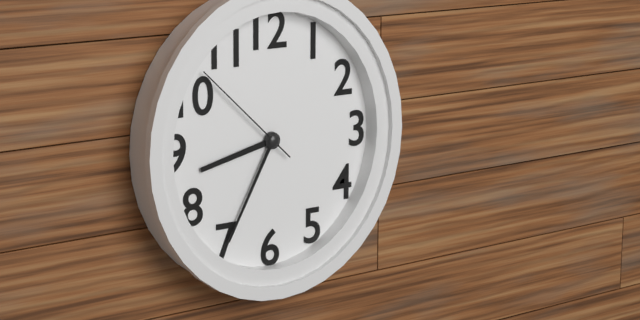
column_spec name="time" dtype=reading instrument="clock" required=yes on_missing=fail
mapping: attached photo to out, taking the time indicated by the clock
8:35:52
